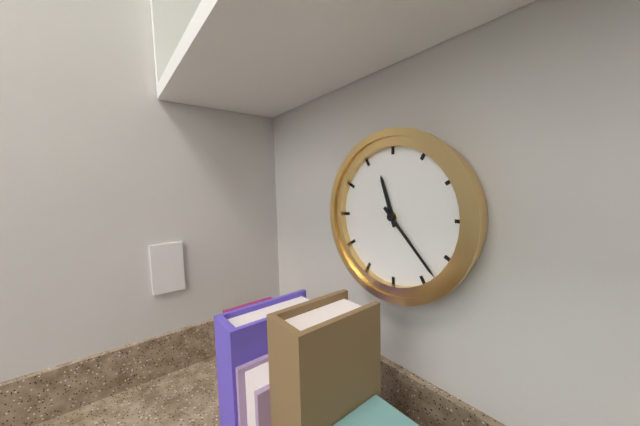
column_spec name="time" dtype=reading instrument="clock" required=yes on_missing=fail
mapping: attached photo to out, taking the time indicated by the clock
11:23
